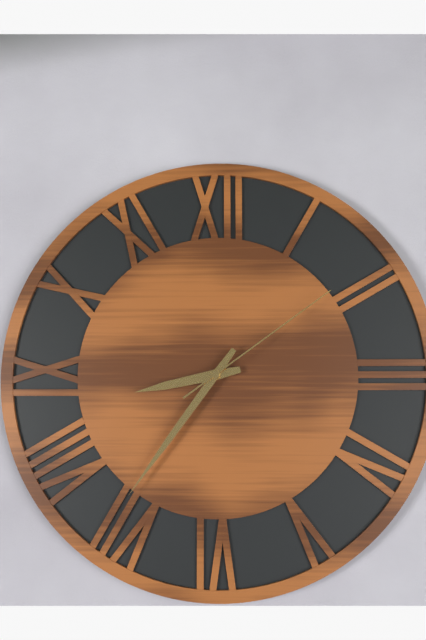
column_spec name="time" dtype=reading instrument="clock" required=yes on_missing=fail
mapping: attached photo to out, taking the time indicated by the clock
8:36:09
